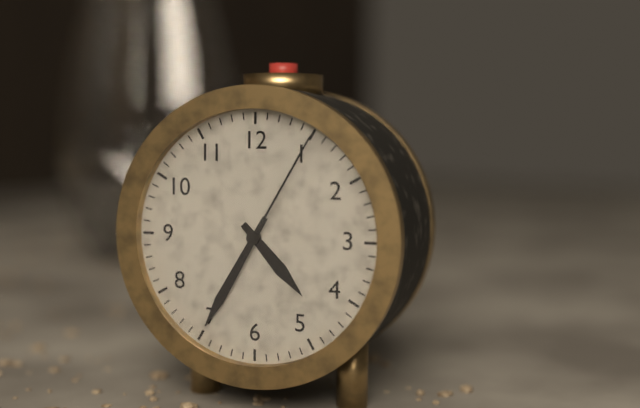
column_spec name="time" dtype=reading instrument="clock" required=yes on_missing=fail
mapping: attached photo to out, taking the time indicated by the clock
4:35:05
